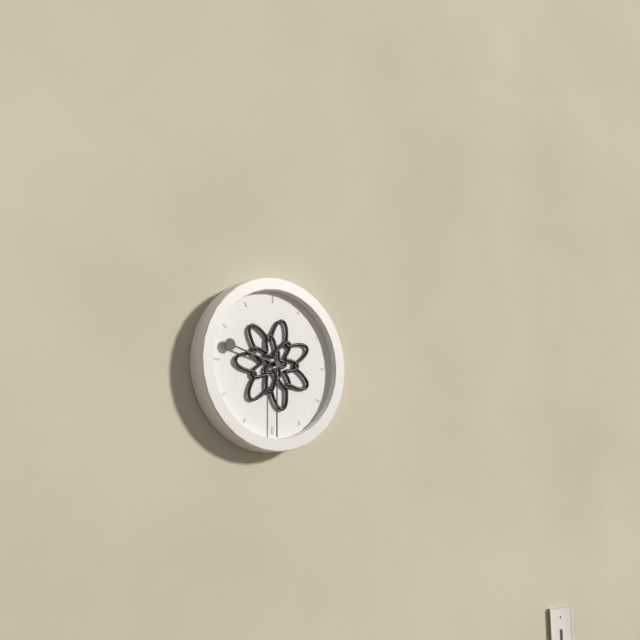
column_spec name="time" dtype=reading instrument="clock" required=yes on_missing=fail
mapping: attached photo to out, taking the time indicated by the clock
9:30
